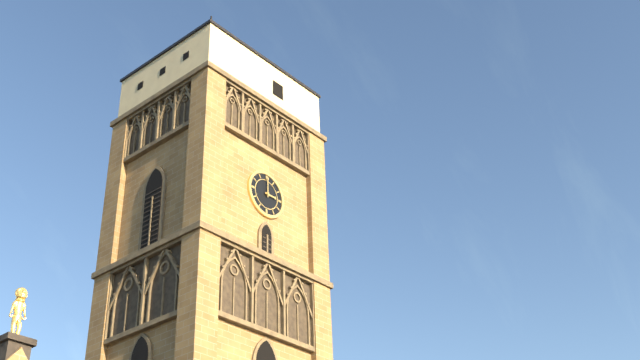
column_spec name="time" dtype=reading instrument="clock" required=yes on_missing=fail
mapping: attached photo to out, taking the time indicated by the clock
3:00
